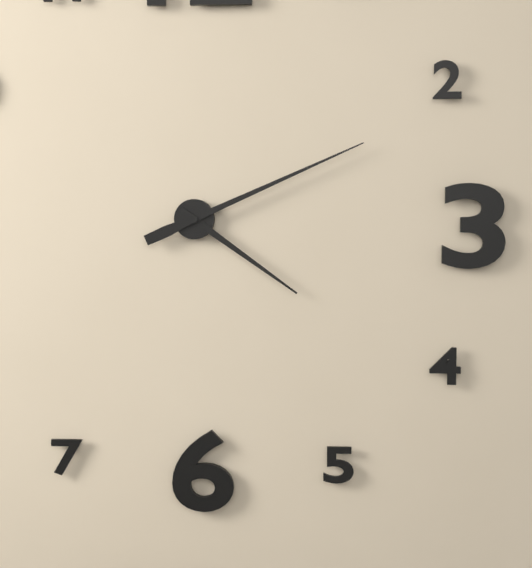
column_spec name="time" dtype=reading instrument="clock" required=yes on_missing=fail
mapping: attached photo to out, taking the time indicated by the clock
4:11
